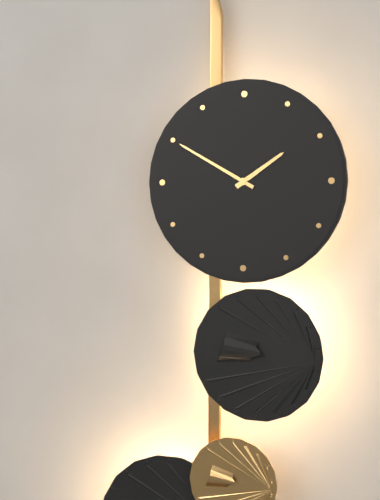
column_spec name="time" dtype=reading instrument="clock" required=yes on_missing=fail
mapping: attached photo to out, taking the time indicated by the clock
1:50
